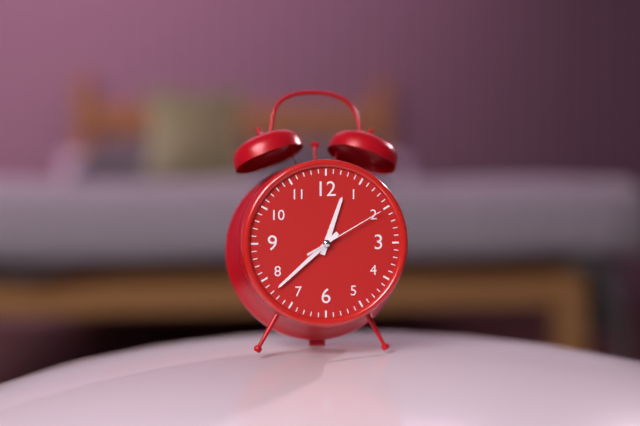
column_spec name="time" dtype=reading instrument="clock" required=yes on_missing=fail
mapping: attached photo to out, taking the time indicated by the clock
12:38:10
